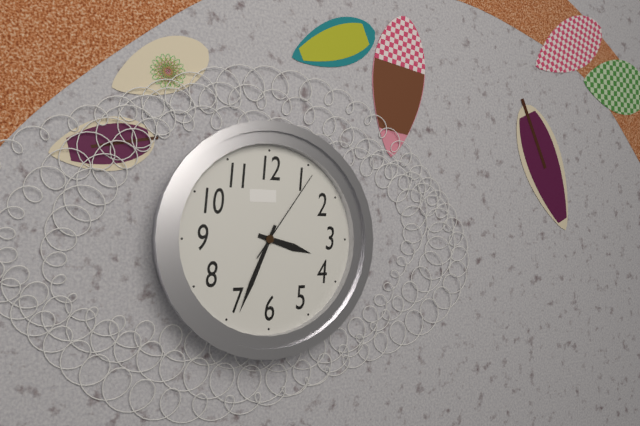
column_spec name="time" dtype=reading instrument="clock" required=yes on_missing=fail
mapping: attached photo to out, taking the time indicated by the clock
3:34:06
